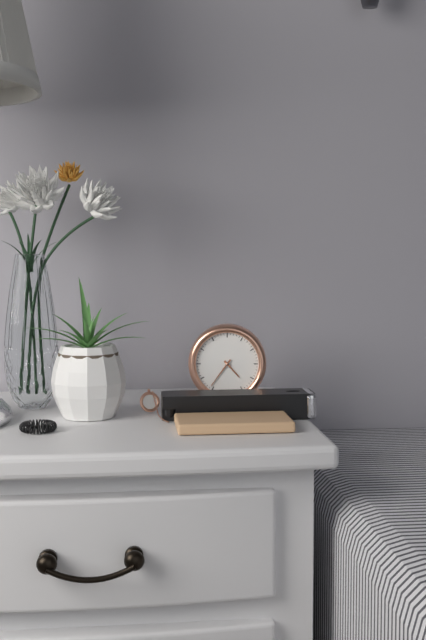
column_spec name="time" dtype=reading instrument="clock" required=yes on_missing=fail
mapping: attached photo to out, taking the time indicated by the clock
4:36
